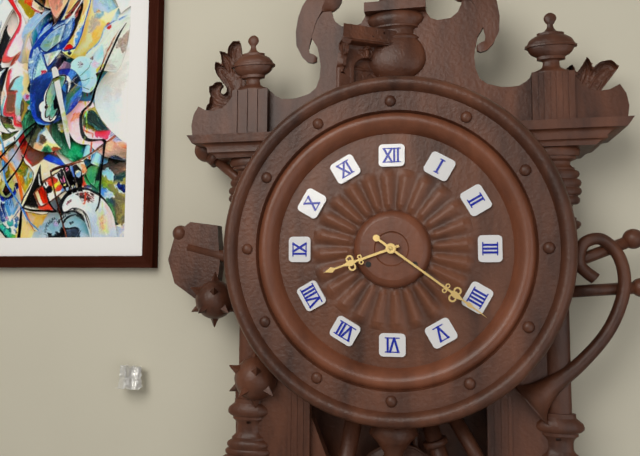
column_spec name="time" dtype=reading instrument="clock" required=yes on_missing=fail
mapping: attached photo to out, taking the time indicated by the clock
8:21
